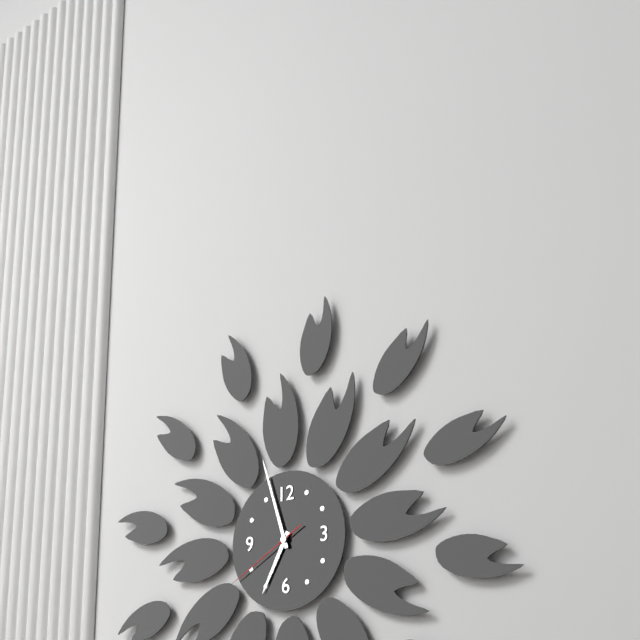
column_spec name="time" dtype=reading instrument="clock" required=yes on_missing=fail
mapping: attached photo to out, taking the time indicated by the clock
6:57:40
